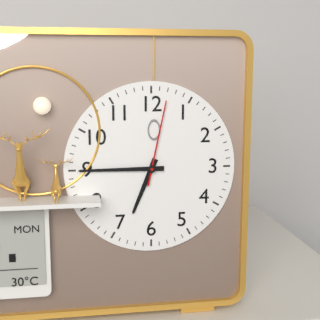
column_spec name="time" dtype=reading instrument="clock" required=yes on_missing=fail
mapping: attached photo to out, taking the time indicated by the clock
6:45:02
